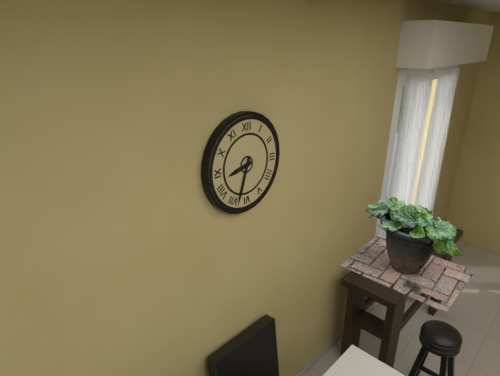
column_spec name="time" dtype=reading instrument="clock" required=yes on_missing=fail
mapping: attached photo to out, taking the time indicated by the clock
8:33
